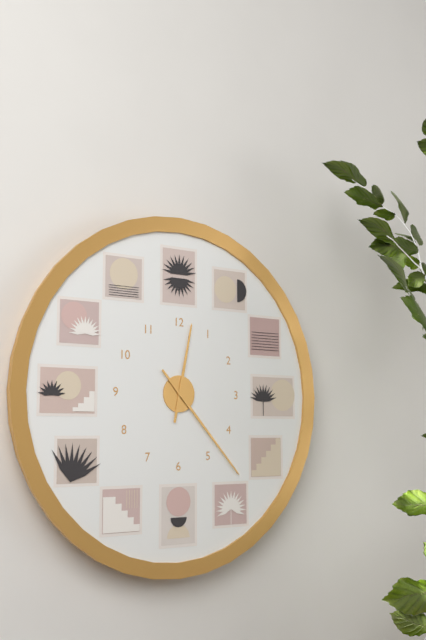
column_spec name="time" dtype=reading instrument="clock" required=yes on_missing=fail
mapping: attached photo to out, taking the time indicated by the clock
12:23
